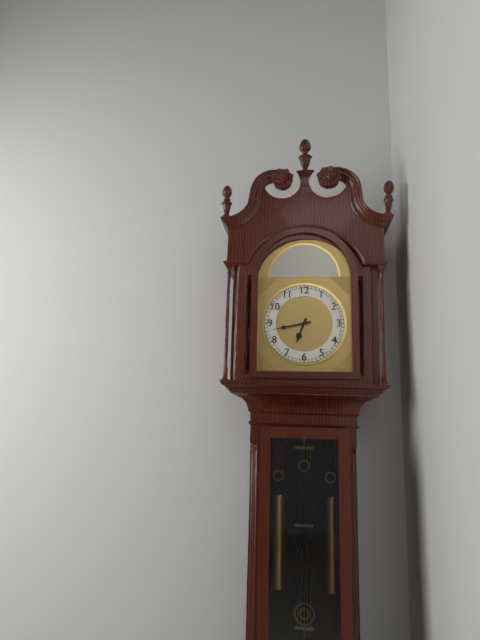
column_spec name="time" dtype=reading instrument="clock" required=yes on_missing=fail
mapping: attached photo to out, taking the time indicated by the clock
6:43
